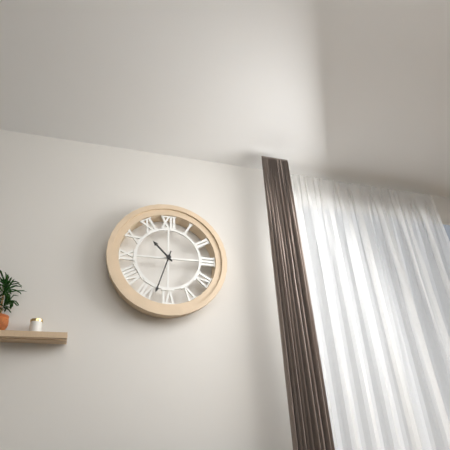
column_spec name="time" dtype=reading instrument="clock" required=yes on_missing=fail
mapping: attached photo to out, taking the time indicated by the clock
10:33
